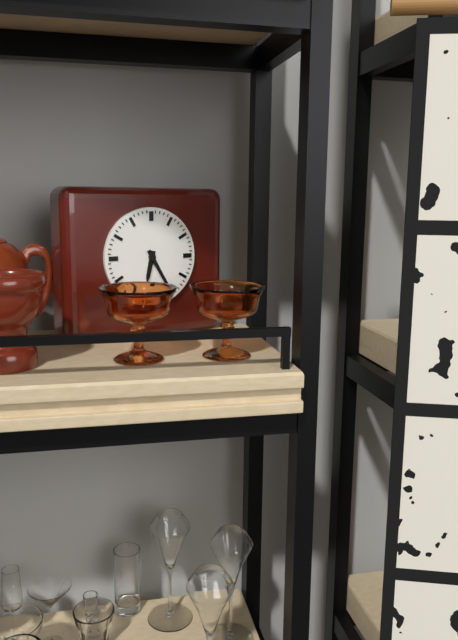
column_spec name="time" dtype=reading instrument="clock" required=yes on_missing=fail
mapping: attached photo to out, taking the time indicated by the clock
6:25
